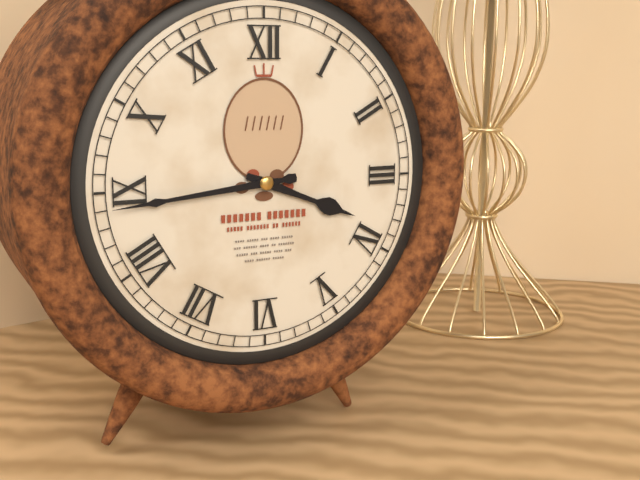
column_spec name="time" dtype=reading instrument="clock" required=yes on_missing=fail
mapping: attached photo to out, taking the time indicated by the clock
3:44
